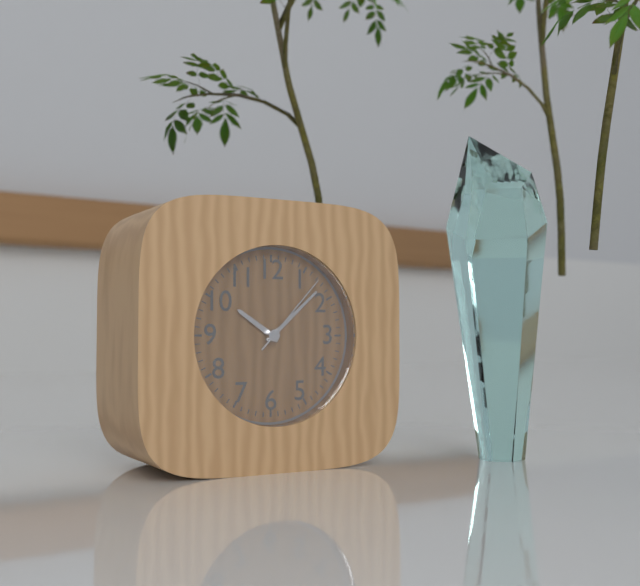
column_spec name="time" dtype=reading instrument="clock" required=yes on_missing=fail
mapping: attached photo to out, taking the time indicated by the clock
10:08:07
